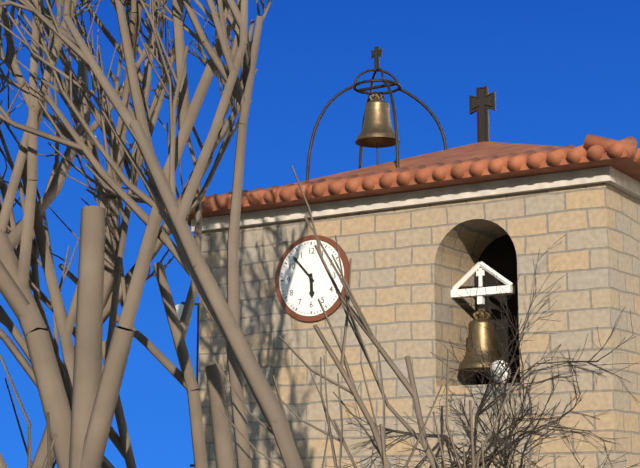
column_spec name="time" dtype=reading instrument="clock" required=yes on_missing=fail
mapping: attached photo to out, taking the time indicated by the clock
5:53
